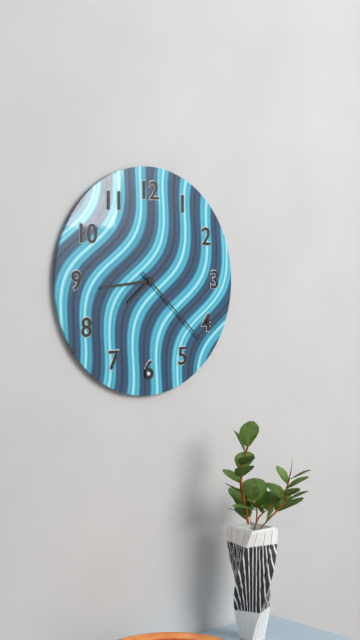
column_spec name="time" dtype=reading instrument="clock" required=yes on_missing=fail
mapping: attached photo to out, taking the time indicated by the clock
7:44:22
